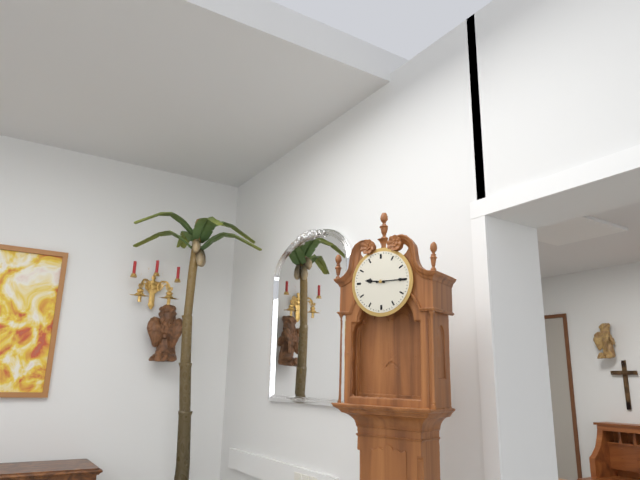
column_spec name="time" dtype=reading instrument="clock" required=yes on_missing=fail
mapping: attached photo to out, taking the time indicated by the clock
9:15
